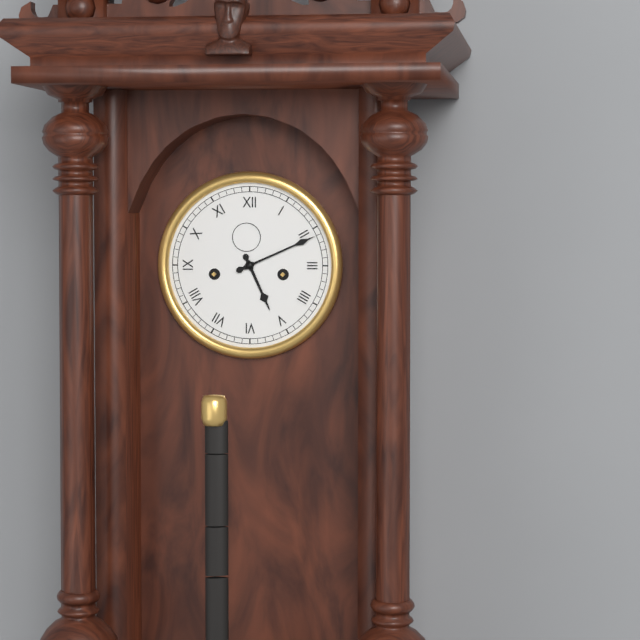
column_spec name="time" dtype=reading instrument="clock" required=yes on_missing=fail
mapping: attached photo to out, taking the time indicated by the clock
5:11
